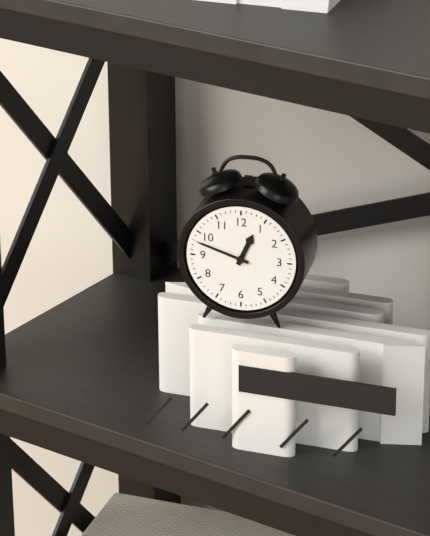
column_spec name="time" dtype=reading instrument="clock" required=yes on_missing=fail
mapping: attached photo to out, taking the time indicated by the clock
12:48
